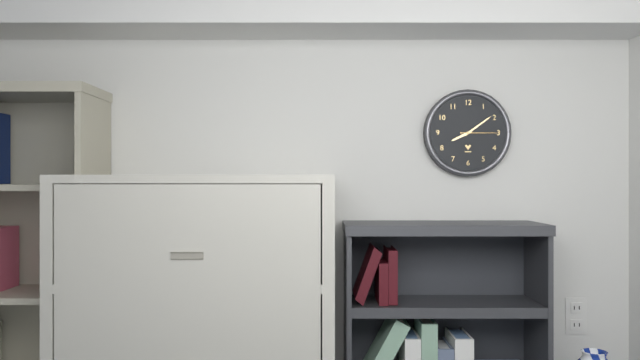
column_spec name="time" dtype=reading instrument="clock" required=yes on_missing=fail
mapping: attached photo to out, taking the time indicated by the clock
8:09
